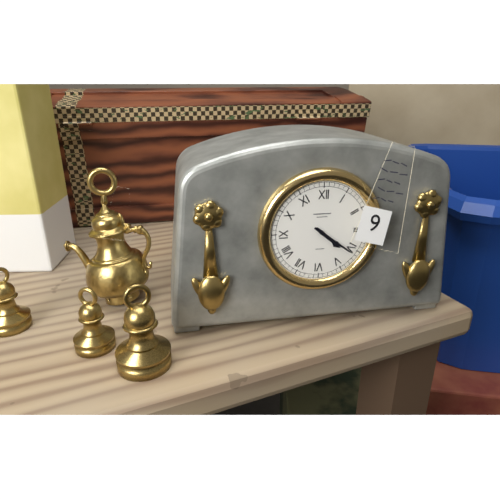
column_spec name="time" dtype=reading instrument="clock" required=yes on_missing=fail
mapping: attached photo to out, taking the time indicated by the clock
4:21
